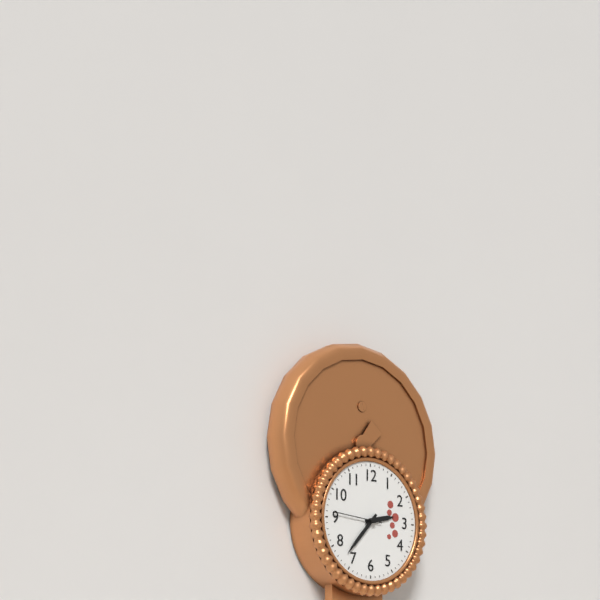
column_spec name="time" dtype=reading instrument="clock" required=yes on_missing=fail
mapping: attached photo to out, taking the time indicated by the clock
2:37
